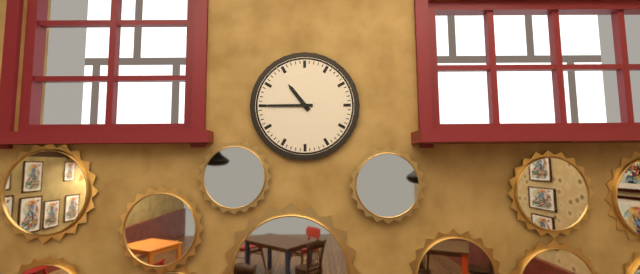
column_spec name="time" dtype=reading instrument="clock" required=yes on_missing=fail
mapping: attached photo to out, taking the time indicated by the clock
10:45
